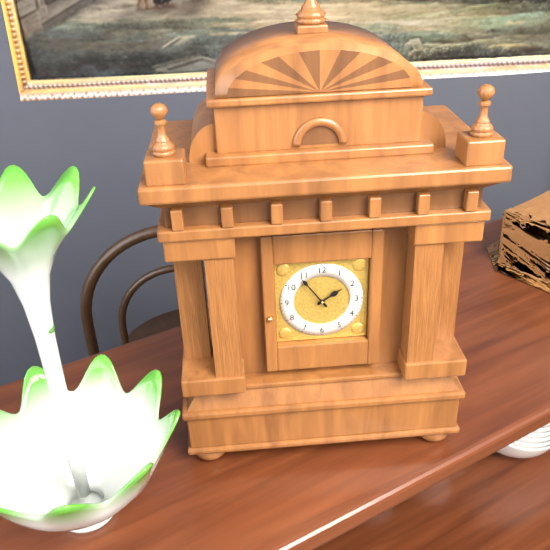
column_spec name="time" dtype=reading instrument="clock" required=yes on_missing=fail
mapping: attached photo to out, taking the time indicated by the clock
1:54
